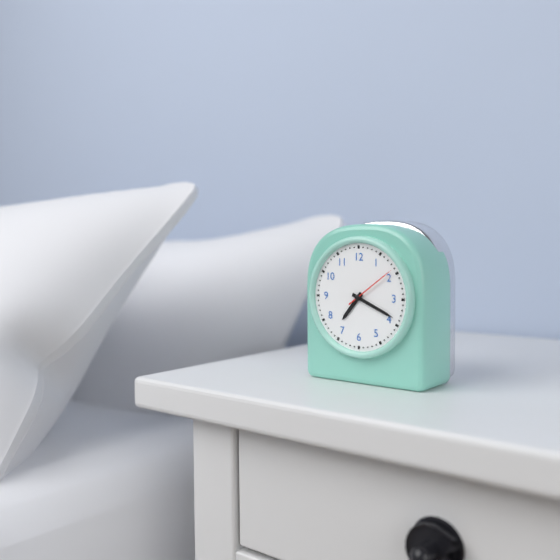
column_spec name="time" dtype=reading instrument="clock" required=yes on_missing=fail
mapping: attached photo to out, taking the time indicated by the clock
7:19:09
